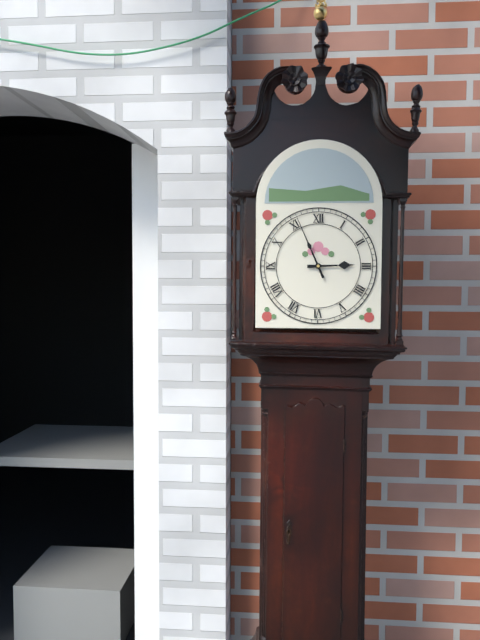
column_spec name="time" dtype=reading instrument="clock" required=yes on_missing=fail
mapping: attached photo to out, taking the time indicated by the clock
2:56
